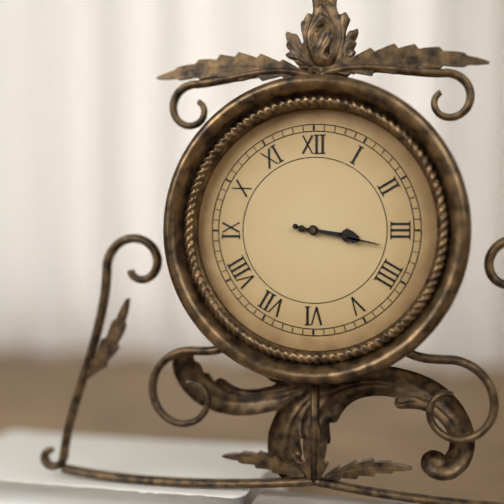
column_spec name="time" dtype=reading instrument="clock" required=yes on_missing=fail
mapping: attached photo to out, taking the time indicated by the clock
3:17
